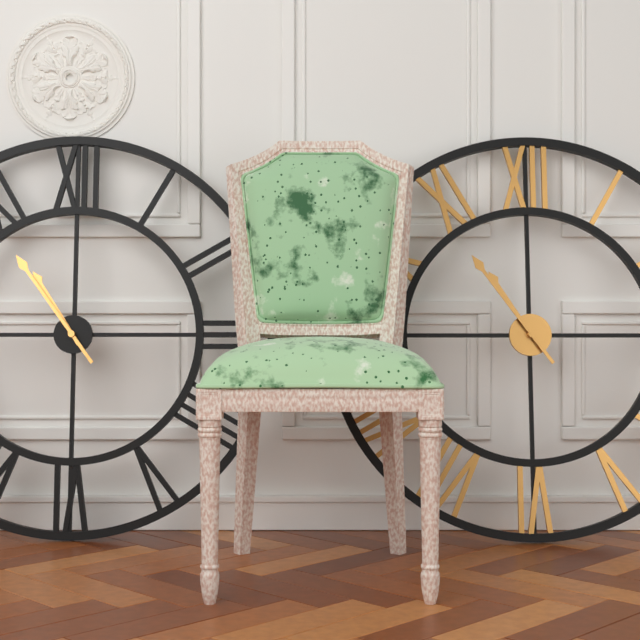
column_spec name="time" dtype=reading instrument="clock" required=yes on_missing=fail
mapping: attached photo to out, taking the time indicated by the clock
10:54
